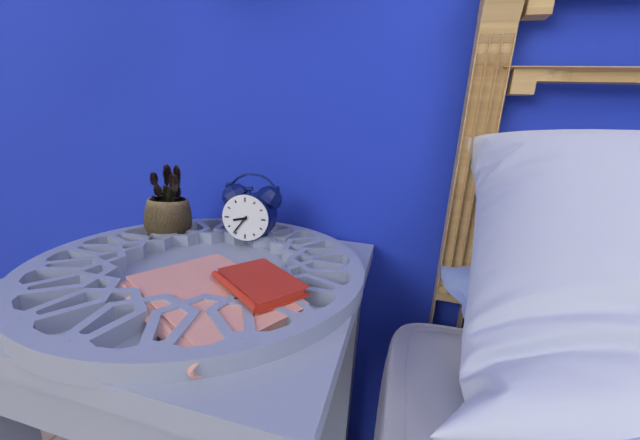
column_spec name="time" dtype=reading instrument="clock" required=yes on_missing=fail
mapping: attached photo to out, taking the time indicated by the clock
8:36
